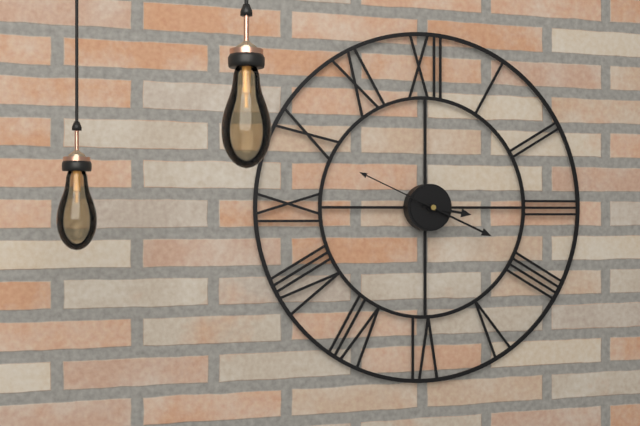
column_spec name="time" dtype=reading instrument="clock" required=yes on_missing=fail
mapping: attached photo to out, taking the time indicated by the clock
3:19:49
